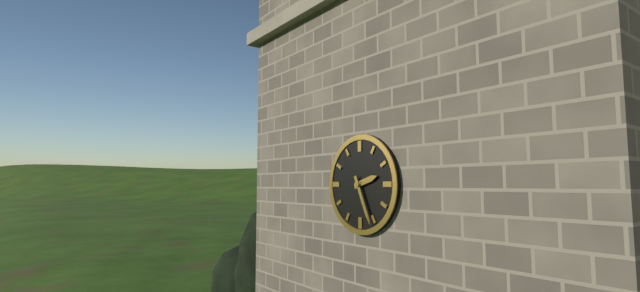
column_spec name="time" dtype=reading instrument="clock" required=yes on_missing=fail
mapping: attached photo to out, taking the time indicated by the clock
2:26
